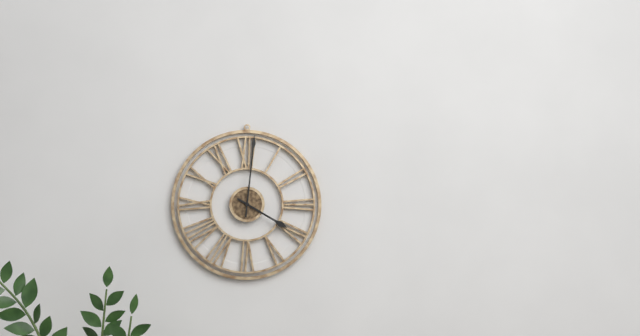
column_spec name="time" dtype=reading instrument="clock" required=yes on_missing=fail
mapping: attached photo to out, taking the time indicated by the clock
4:01
